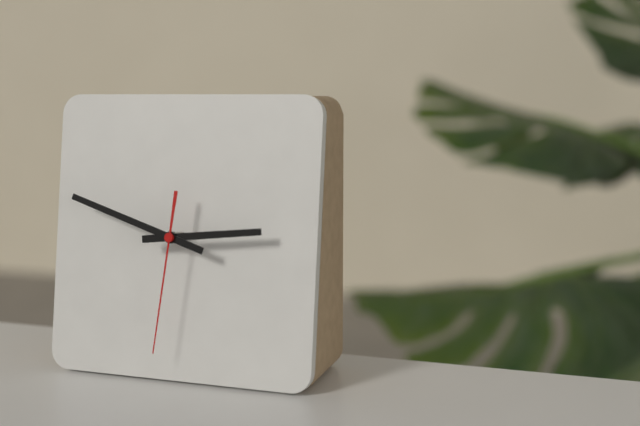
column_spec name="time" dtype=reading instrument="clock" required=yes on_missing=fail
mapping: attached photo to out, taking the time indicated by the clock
2:48:31
